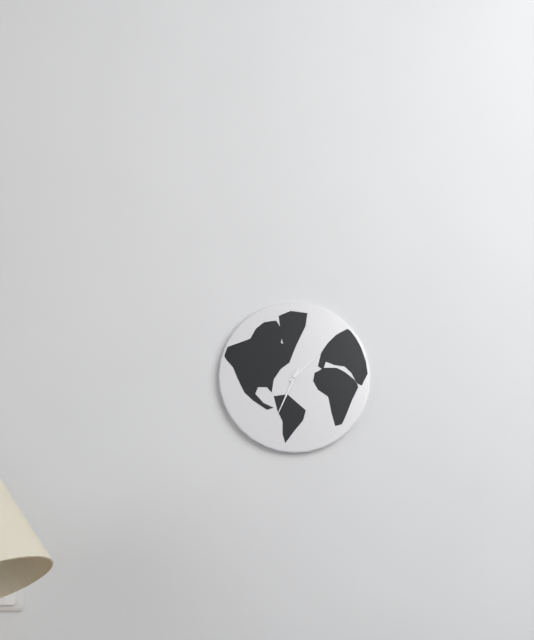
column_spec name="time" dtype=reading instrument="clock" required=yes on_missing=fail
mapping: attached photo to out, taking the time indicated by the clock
1:34
